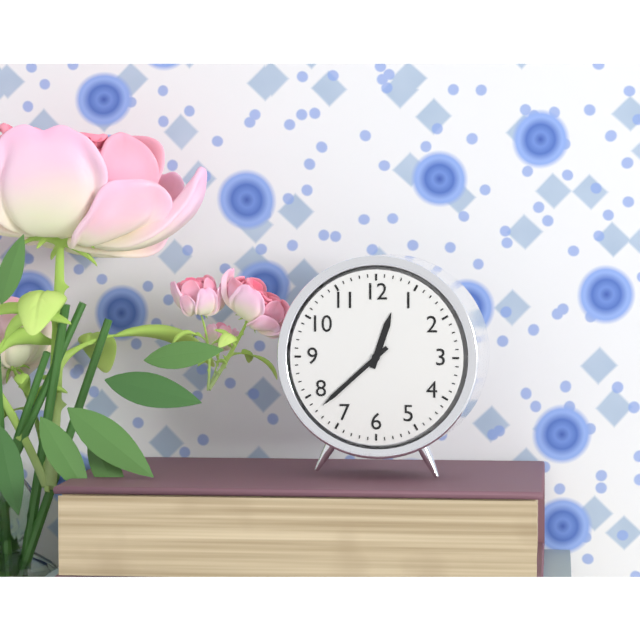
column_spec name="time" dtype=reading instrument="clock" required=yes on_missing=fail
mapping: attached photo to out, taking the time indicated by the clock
12:38
